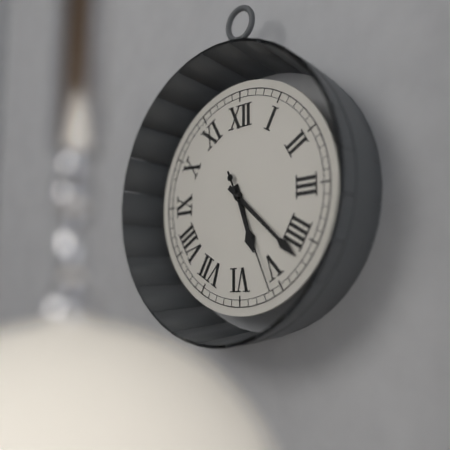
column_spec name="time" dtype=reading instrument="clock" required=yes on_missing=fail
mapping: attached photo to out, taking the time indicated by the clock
5:22:26
